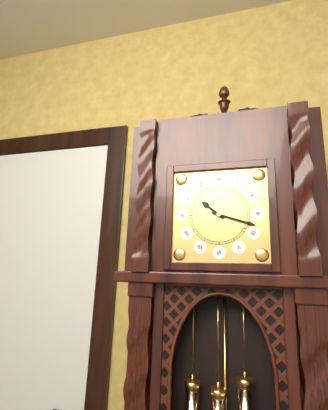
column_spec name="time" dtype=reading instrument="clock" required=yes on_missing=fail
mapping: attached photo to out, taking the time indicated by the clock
10:18
